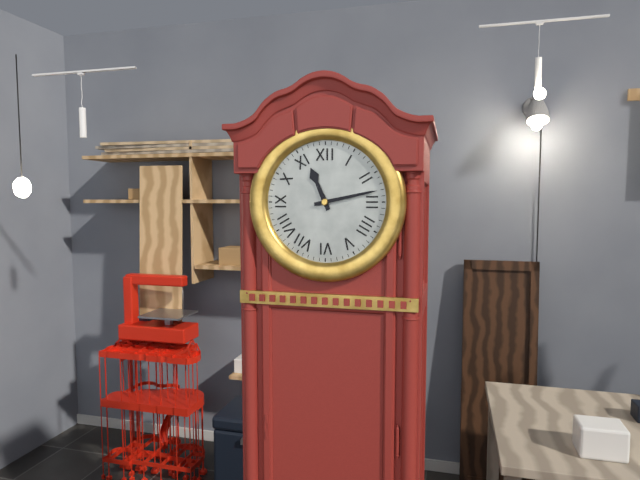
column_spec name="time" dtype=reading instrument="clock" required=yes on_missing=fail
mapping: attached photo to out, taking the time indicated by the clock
11:13
